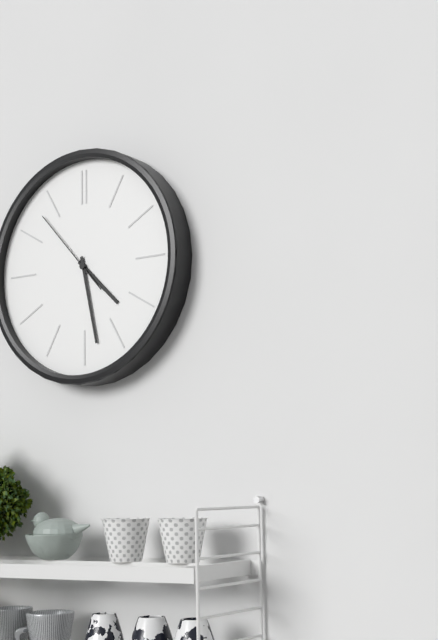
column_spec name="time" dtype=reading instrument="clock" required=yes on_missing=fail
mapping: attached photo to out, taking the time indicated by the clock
4:28:53
